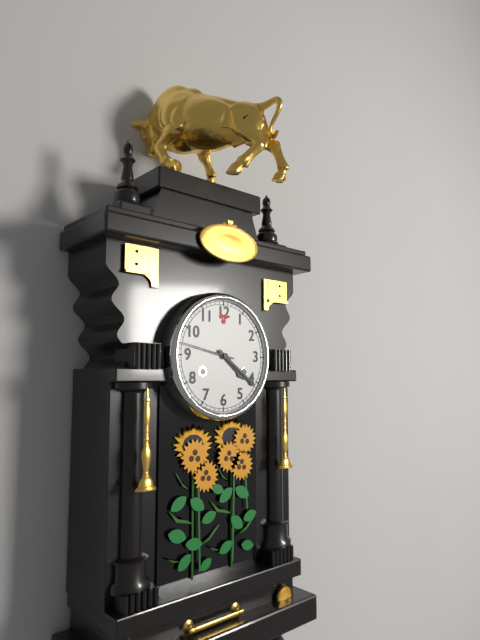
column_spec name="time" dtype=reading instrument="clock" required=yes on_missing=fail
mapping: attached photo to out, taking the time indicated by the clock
4:21:47
